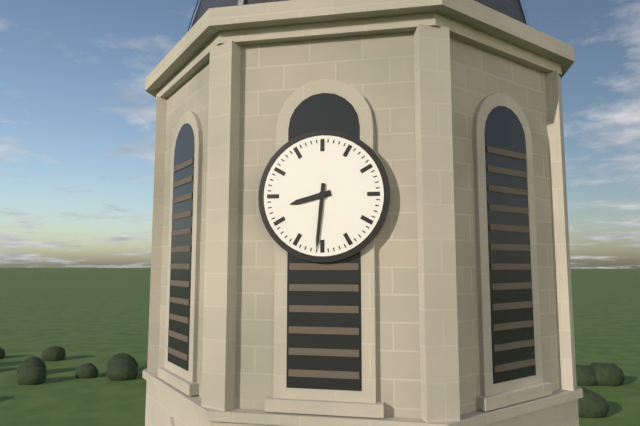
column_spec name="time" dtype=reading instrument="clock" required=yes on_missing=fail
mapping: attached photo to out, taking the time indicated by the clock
8:31
